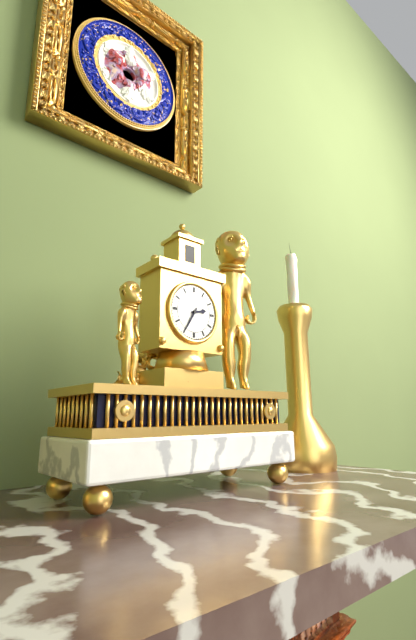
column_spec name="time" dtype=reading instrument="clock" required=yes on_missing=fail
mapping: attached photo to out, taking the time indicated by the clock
2:35
